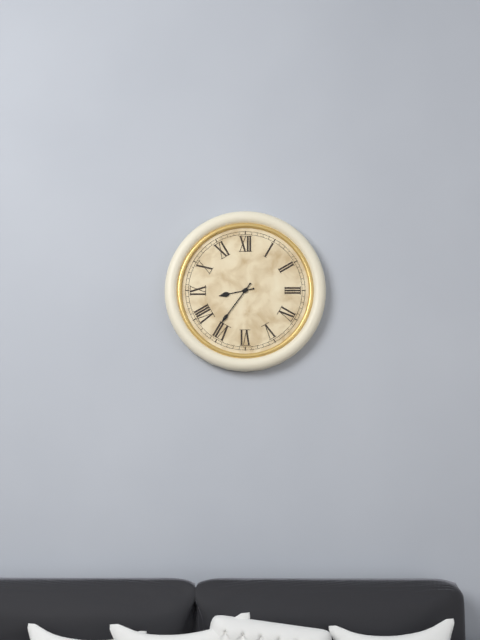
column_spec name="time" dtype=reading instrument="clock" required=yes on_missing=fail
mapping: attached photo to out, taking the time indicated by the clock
8:36
